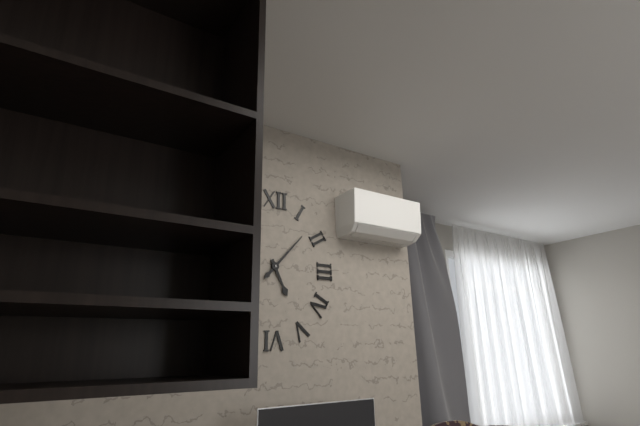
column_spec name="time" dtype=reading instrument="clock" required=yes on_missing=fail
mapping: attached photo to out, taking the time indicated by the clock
5:07
